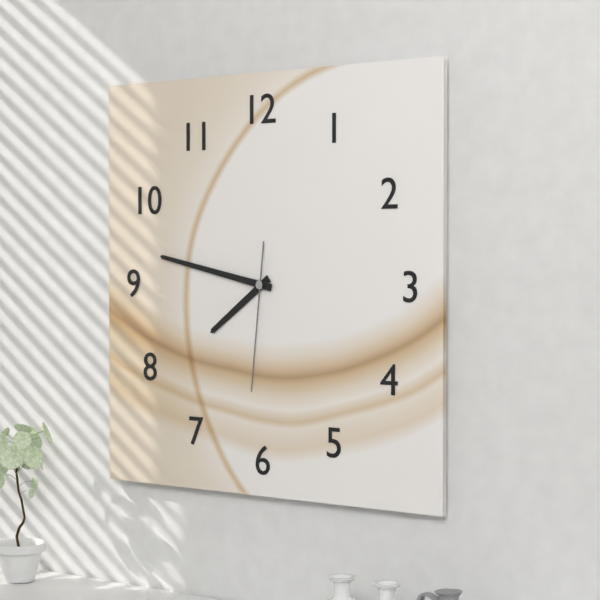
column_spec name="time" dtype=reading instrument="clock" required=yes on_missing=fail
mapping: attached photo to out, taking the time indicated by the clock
7:47:31
